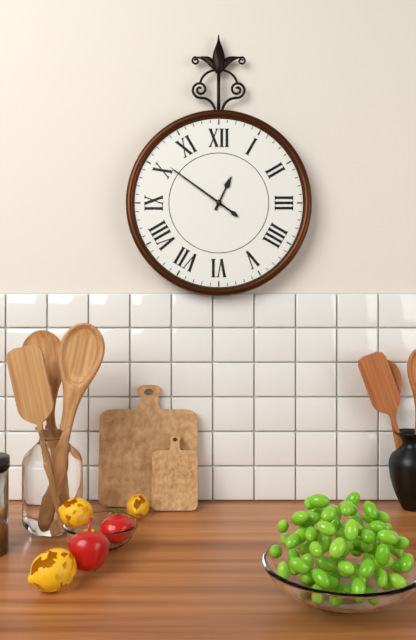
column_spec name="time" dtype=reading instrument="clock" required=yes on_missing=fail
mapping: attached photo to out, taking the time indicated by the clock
12:51
